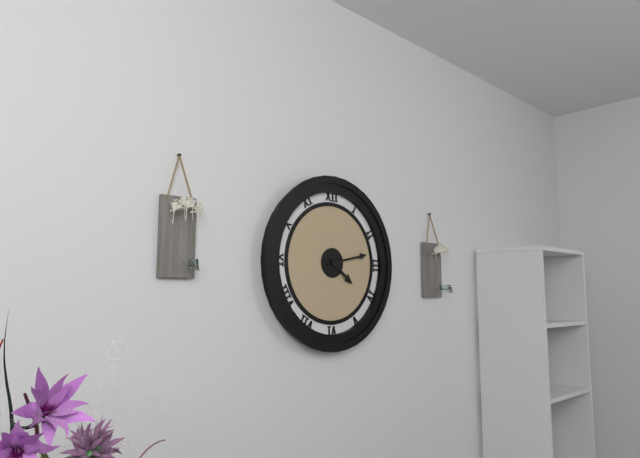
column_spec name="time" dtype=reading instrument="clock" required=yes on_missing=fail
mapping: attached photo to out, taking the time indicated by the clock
4:13
